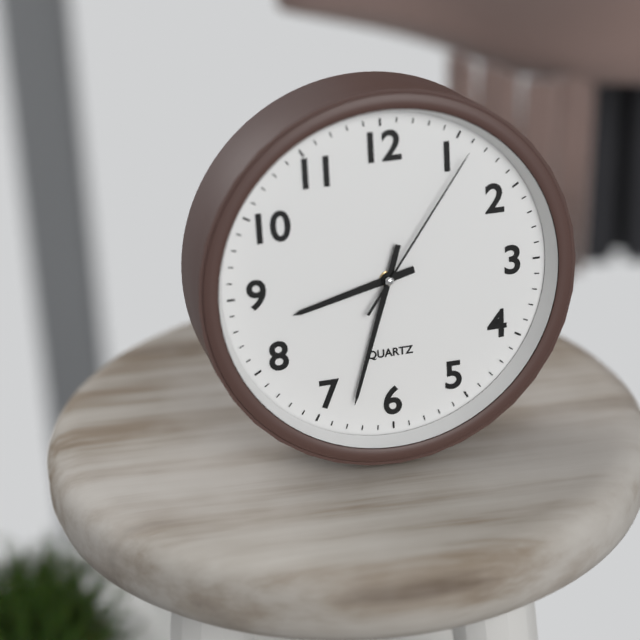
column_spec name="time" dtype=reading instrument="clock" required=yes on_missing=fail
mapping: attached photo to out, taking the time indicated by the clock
8:33:06
